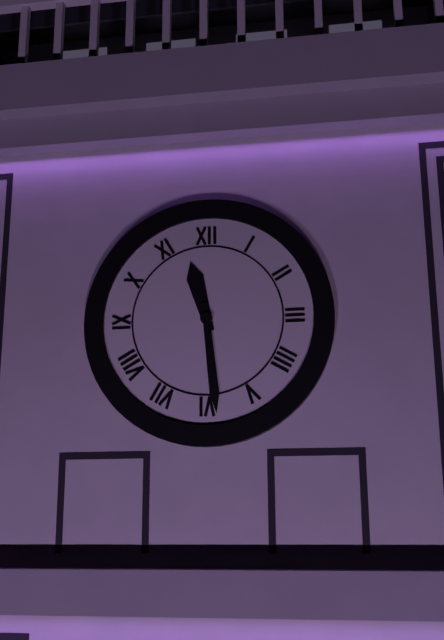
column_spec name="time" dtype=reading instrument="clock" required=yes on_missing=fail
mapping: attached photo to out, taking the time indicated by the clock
11:29
